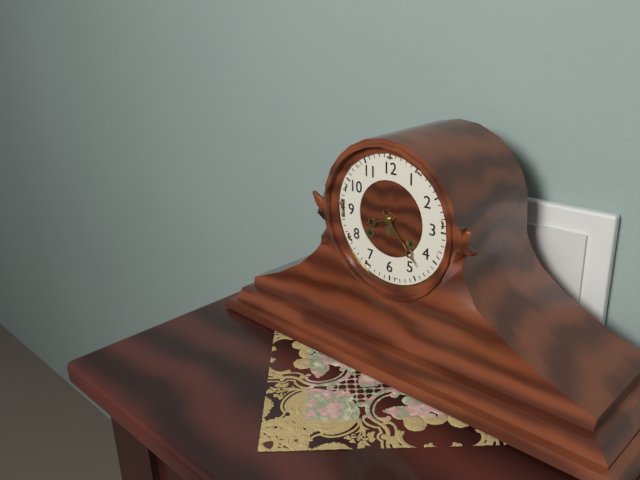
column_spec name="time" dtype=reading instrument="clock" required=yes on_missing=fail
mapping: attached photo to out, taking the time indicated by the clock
8:23
